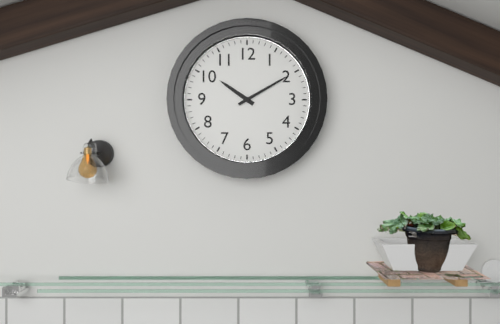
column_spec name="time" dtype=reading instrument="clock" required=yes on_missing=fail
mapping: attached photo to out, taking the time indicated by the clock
10:10
